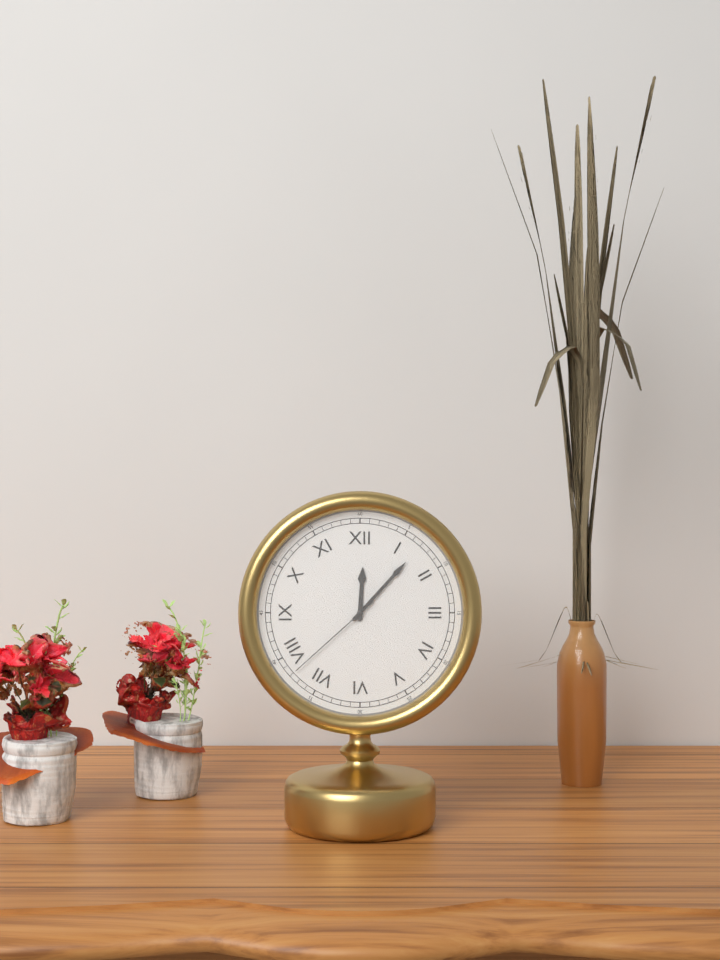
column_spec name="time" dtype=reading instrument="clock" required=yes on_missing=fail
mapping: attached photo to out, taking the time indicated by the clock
12:07:38
